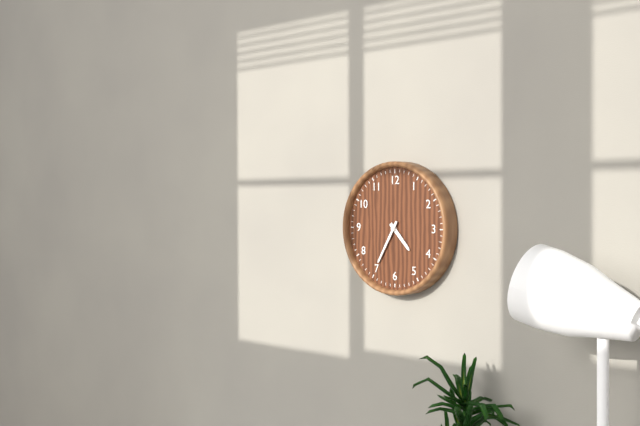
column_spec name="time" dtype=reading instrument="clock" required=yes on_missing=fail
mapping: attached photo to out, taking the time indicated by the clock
4:35
